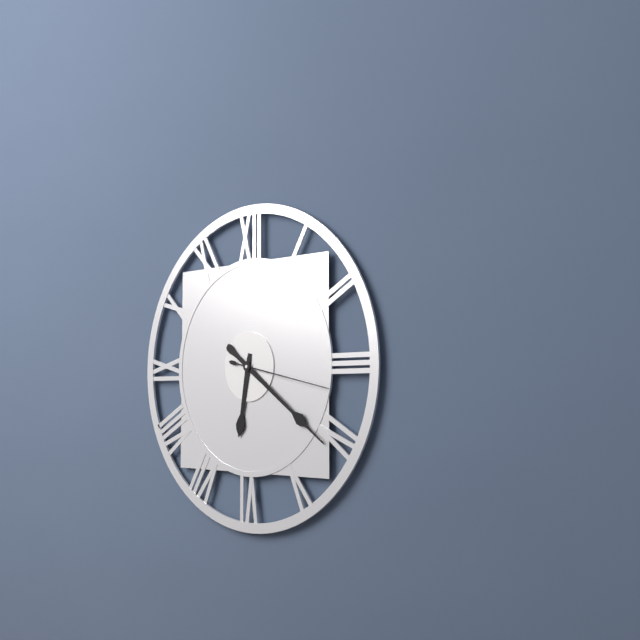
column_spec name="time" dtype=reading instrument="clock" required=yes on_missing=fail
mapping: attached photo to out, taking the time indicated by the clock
6:21:17
